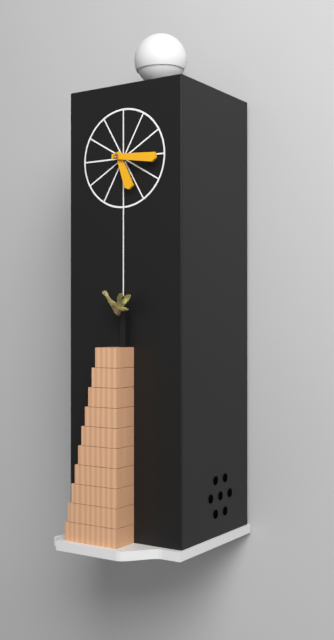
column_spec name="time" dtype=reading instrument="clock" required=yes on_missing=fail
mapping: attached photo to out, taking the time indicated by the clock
5:16
